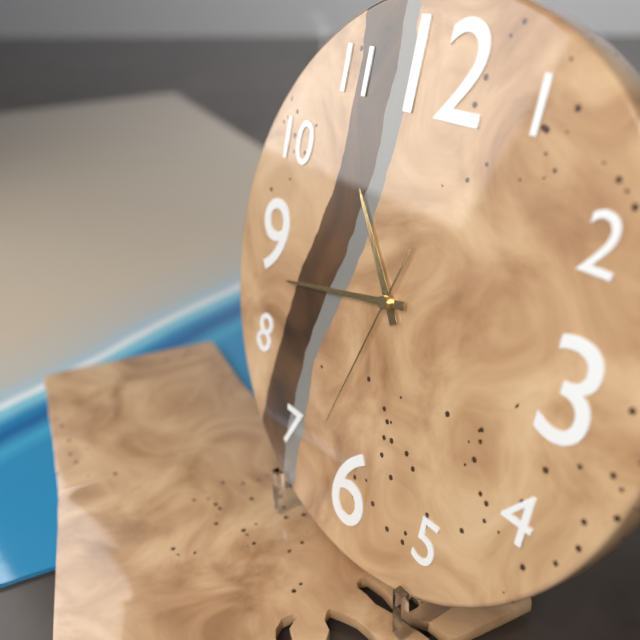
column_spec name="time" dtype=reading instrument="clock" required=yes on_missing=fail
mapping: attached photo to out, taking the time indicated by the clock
10:43:33
